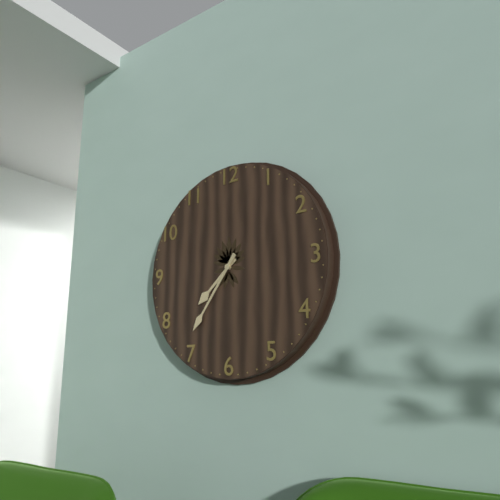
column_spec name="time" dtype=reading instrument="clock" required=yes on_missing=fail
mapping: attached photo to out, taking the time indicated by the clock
7:36
